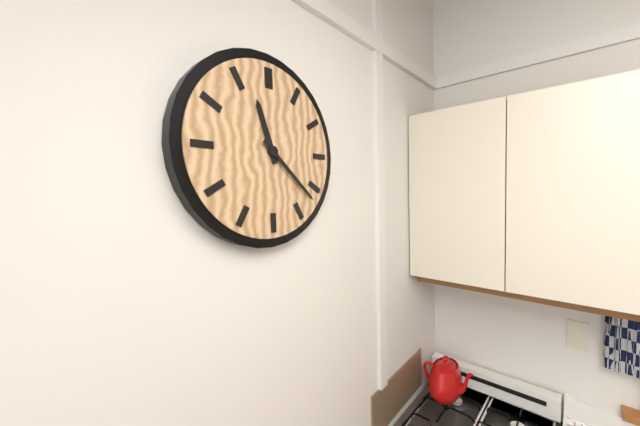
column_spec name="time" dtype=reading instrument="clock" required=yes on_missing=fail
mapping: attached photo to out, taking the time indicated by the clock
11:22
